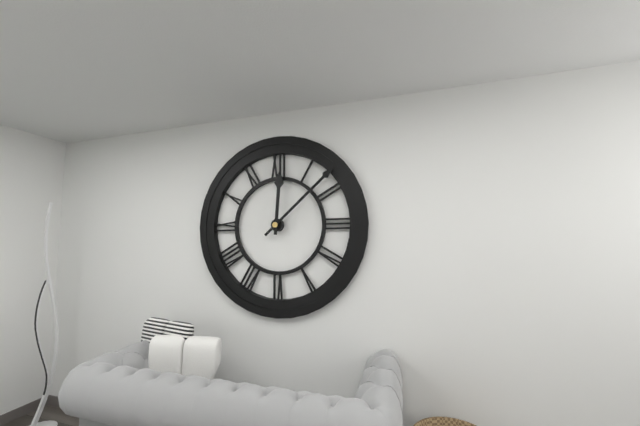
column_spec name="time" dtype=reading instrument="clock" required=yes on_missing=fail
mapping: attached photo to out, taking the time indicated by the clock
12:08
